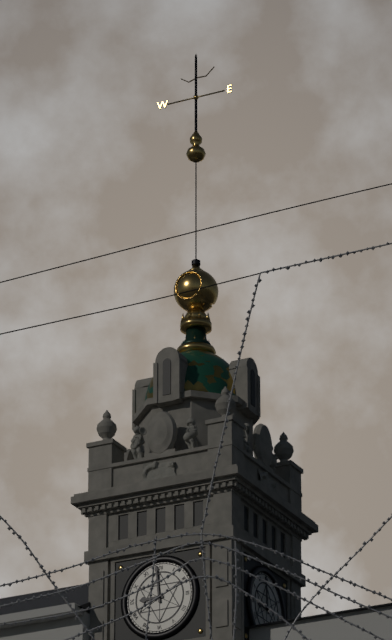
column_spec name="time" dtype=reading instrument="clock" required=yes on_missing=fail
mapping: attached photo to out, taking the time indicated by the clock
8:59
